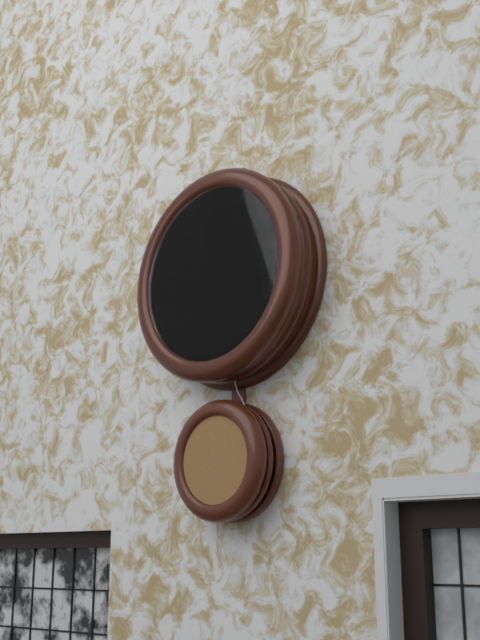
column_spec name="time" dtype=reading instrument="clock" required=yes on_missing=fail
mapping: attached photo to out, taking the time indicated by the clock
10:08
